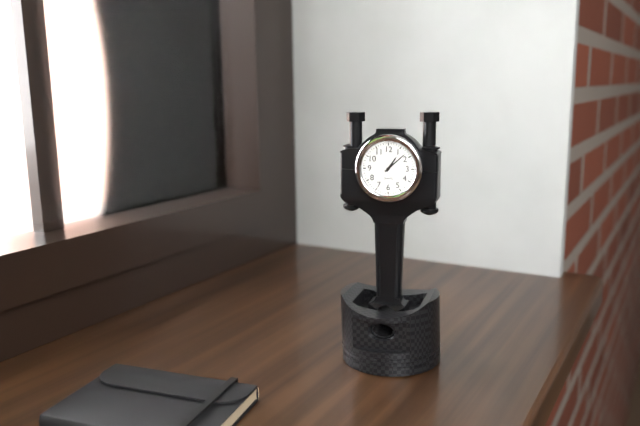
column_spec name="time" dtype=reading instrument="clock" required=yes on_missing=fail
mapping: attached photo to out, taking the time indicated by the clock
1:08
